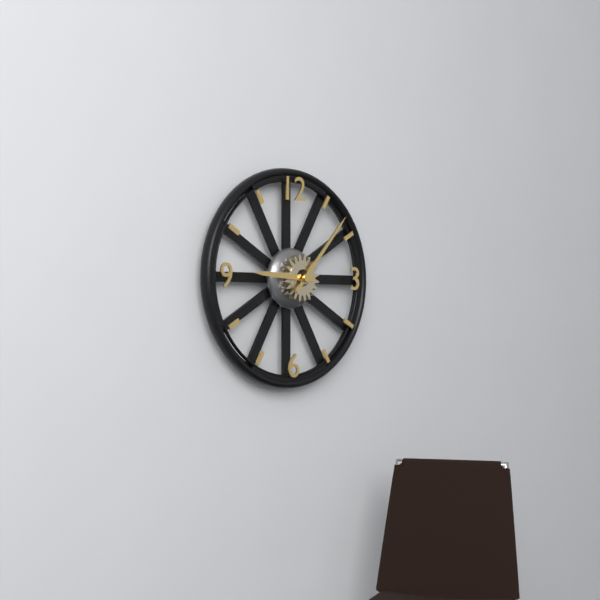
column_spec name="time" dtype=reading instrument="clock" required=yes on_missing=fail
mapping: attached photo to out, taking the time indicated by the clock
9:07
